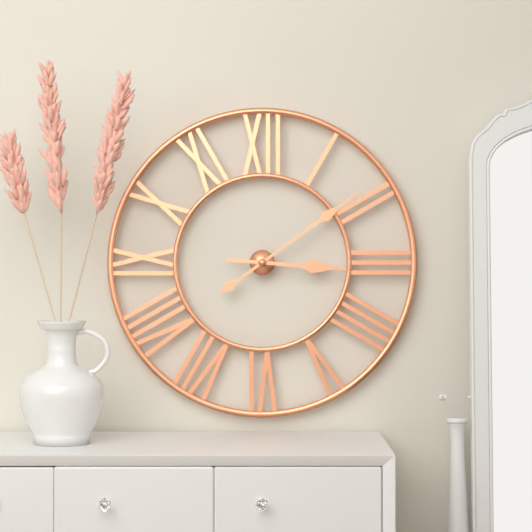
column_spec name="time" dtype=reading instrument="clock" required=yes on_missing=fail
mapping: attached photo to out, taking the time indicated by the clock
3:09
